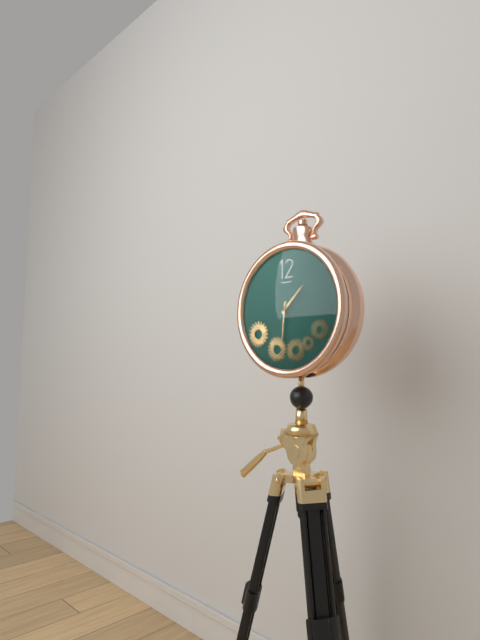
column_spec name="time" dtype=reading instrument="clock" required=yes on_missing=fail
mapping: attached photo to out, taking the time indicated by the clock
1:31
